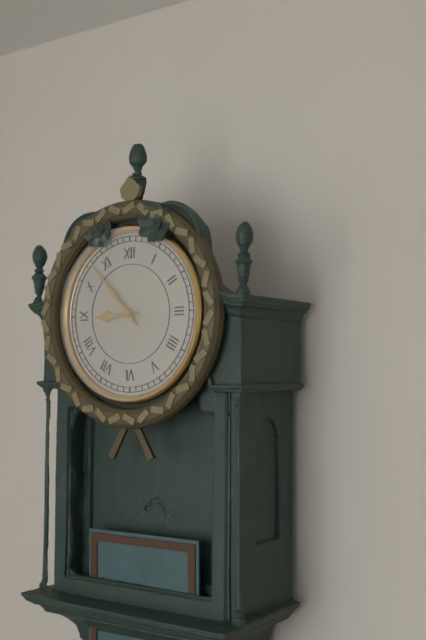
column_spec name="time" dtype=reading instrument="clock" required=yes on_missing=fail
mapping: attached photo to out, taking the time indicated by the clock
8:53
